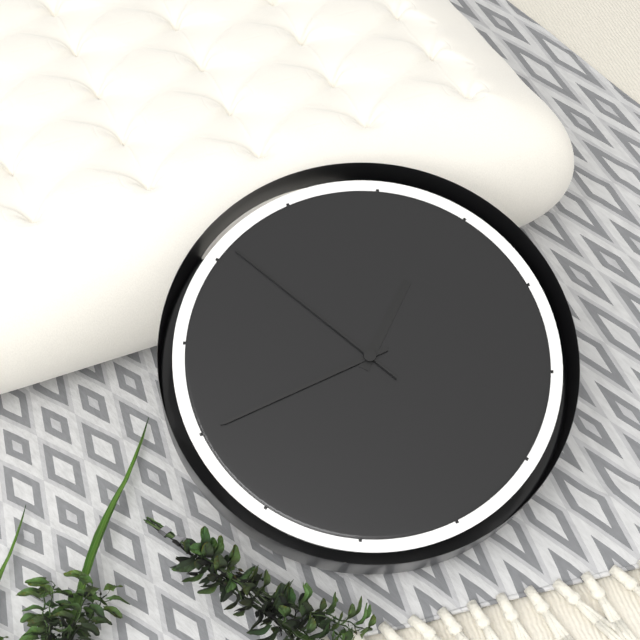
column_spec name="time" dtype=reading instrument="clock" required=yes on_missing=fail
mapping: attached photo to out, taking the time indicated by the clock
1:45:56
